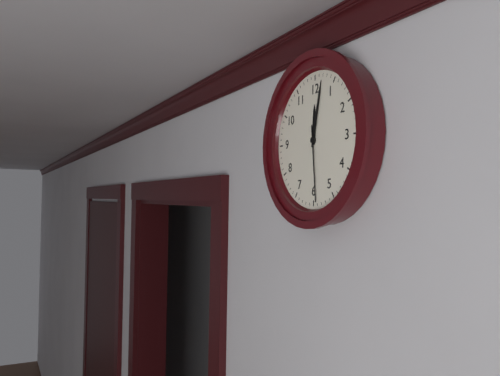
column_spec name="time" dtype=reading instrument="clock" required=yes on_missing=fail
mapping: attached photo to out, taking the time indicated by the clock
12:02:29
